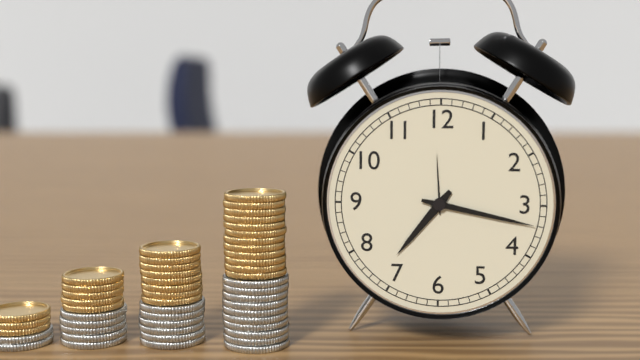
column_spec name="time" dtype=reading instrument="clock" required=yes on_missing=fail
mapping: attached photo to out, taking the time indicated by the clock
7:17
